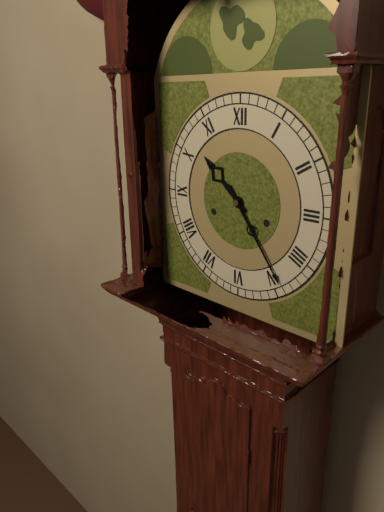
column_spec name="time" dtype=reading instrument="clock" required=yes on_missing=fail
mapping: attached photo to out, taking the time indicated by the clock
10:24
